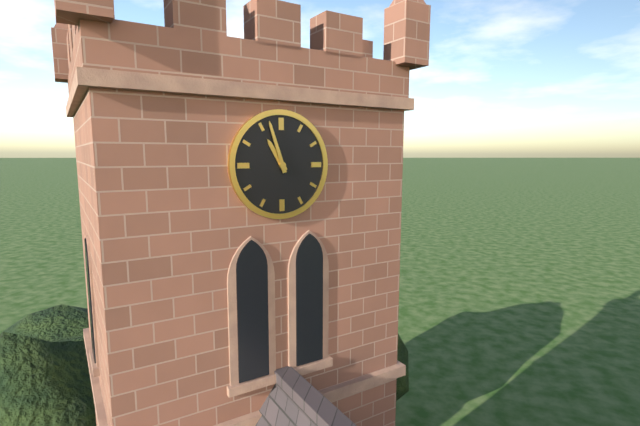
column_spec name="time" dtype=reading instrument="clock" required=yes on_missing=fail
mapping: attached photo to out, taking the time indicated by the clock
10:57
